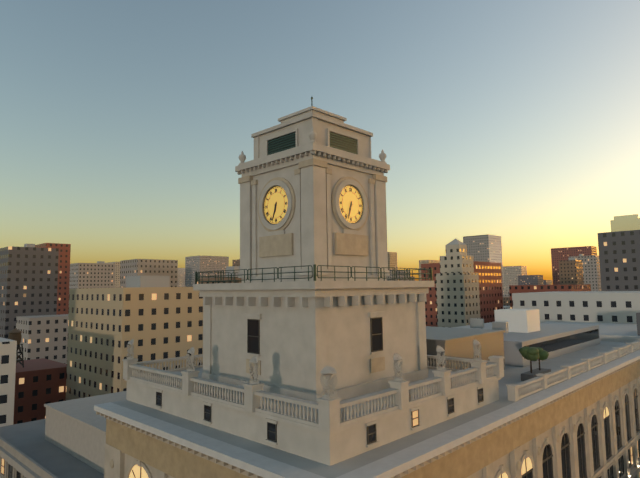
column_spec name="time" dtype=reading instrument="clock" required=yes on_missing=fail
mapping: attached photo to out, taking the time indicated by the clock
6:33
